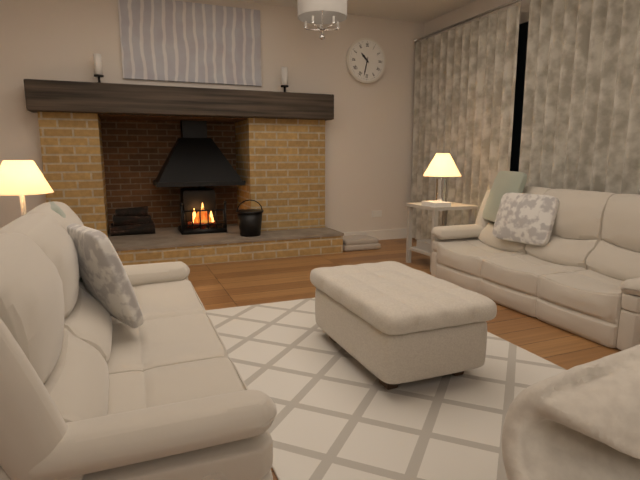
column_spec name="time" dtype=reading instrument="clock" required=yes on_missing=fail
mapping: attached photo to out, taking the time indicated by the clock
10:32
